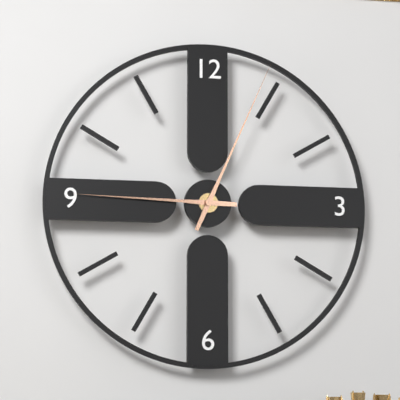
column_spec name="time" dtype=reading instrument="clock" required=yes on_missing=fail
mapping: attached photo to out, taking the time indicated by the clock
9:04
